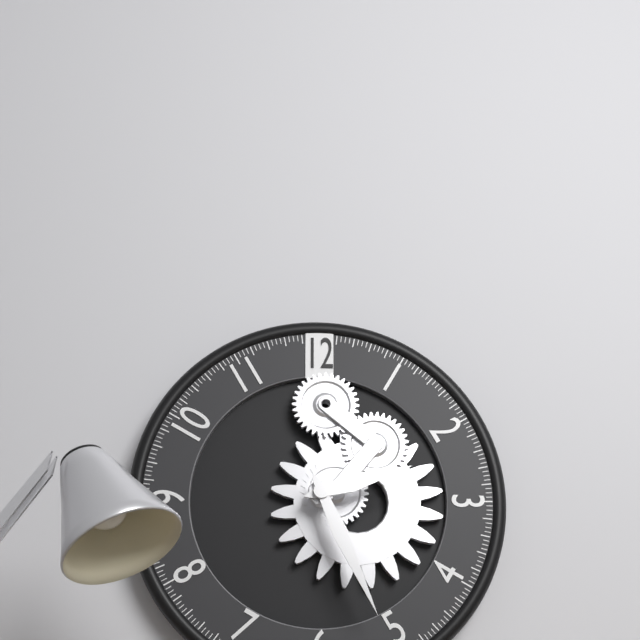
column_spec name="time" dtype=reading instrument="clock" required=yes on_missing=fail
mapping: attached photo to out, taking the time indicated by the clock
2:26
